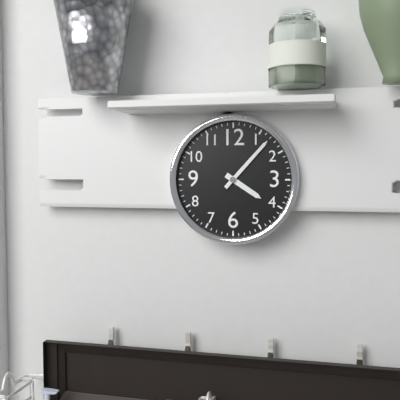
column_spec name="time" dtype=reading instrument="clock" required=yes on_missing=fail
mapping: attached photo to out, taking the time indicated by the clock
4:07
